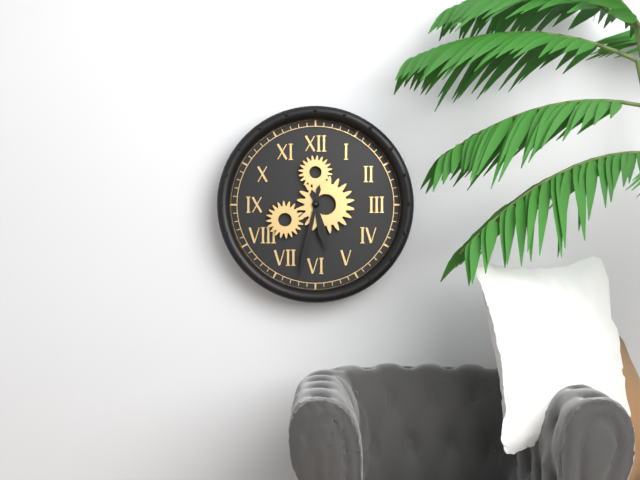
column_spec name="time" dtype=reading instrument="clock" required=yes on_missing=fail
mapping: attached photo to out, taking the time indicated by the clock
5:32
